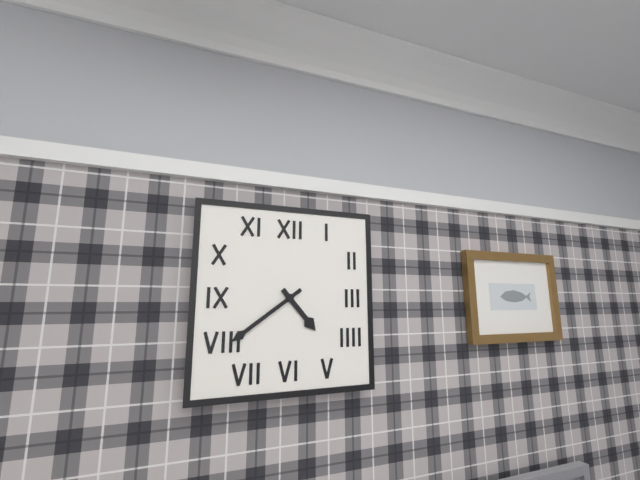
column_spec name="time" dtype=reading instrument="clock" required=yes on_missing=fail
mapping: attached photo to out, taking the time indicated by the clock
4:39
